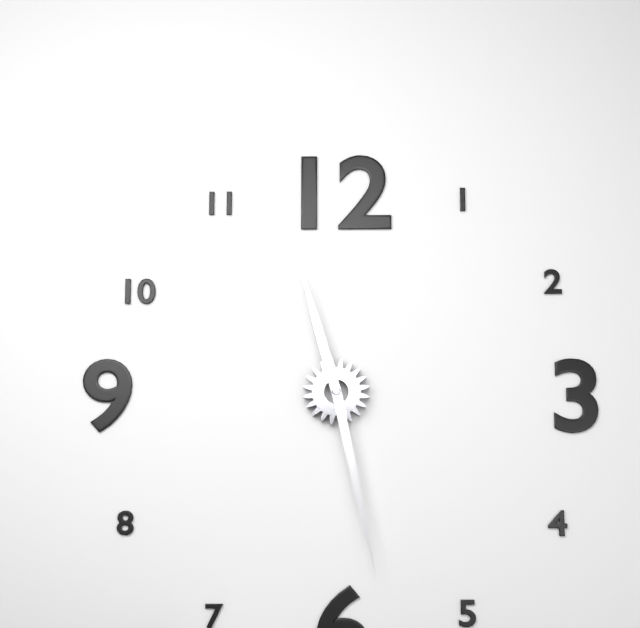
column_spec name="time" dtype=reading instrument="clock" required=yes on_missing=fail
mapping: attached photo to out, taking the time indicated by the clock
11:28
